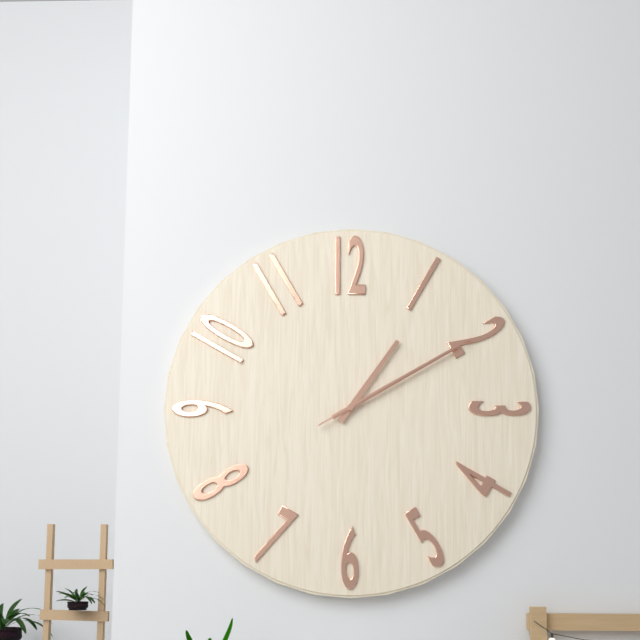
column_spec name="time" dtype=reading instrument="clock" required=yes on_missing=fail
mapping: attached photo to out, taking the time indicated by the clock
1:10:10
